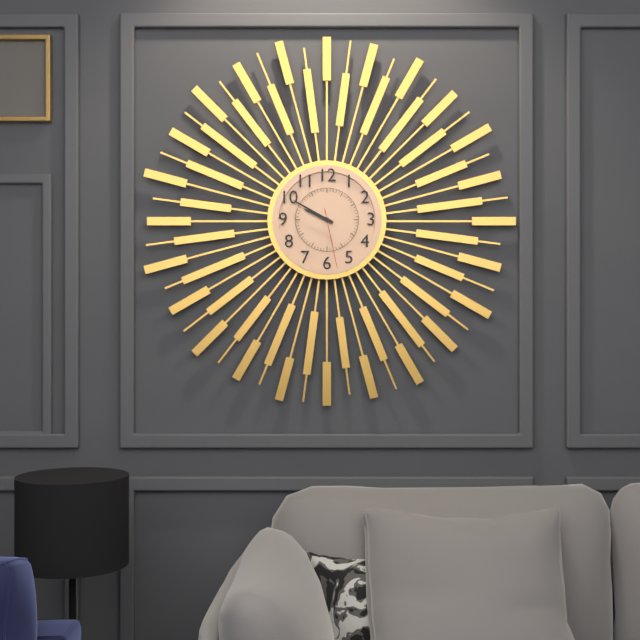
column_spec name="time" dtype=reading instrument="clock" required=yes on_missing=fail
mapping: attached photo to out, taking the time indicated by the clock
9:50:28
